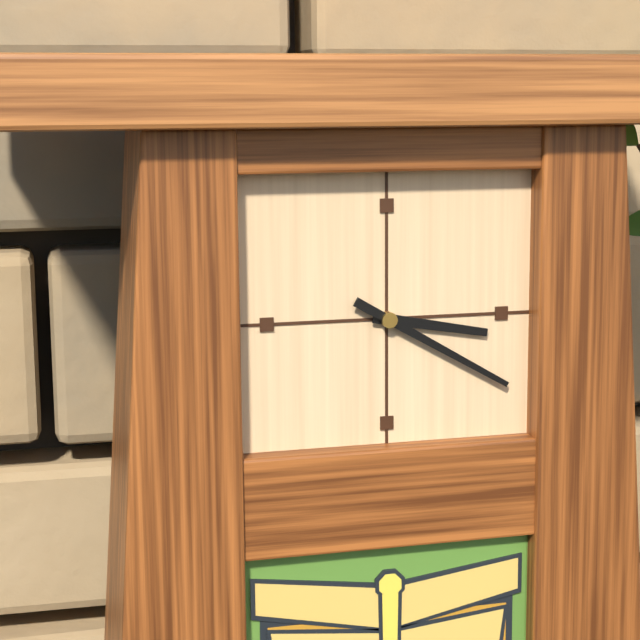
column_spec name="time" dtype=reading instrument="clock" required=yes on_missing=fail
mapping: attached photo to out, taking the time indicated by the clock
3:20
